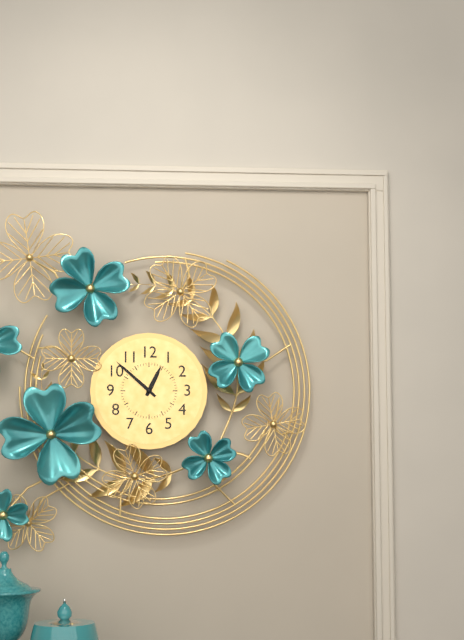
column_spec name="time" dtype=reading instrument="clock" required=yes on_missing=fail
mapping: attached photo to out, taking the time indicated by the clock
12:52
